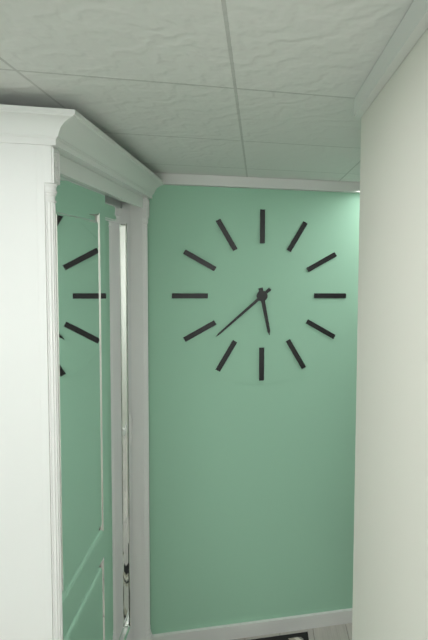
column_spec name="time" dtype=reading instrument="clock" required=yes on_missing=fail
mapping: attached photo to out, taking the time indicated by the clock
5:38
